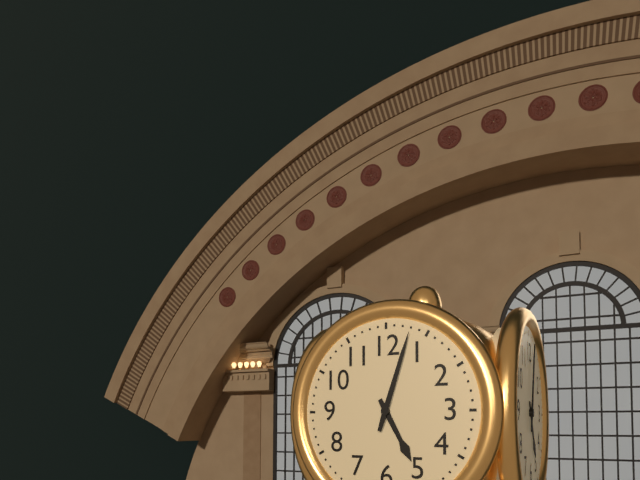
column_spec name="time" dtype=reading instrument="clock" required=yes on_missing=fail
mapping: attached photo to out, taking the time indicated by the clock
5:03
